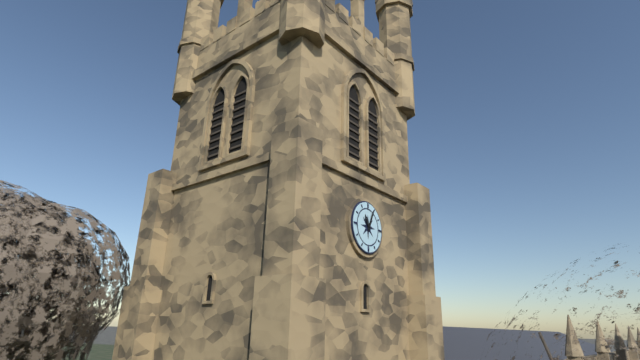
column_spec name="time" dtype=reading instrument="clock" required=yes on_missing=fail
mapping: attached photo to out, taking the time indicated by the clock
11:04
